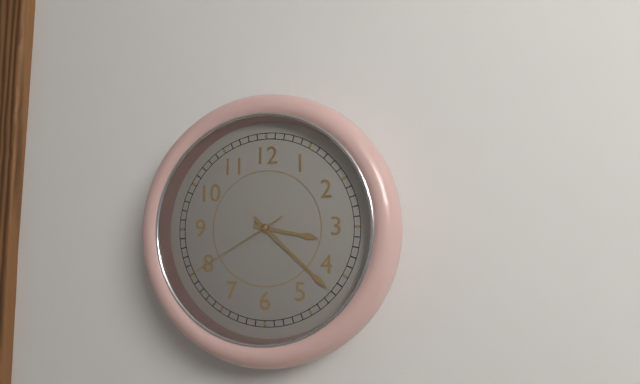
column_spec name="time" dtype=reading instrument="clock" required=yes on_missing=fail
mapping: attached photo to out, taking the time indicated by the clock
3:22:40
